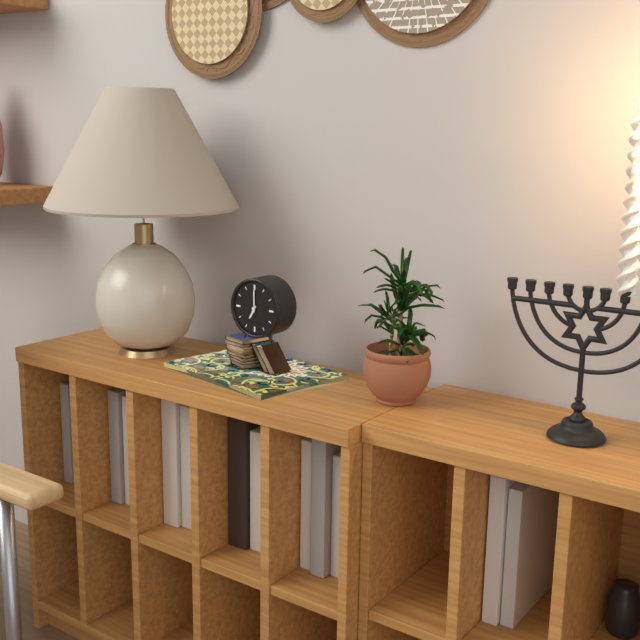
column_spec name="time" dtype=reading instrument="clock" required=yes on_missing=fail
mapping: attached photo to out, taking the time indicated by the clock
7:00
